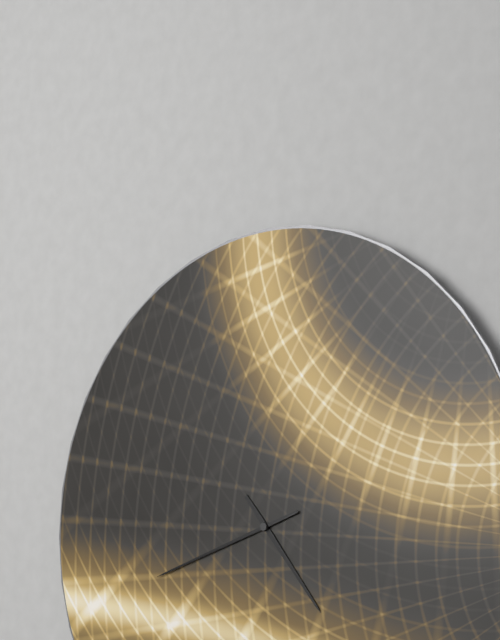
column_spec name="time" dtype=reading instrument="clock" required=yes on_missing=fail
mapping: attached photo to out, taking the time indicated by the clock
4:42
